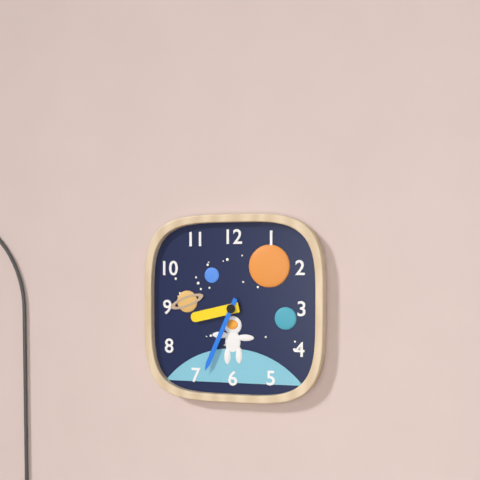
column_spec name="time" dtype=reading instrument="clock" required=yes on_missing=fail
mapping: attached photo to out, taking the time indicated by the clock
8:34
